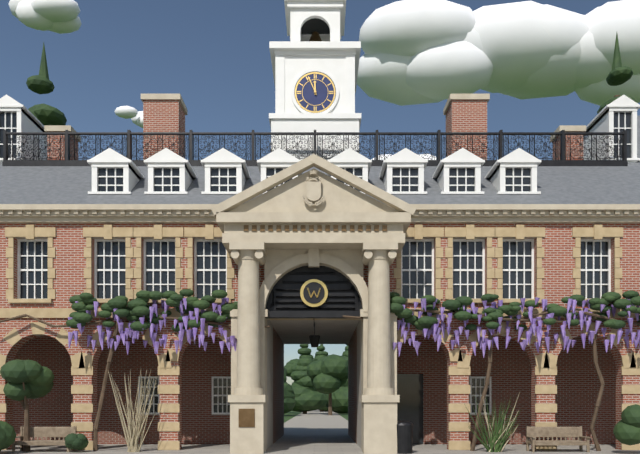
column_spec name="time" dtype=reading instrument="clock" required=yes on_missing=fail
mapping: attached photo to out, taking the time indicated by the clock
11:56
